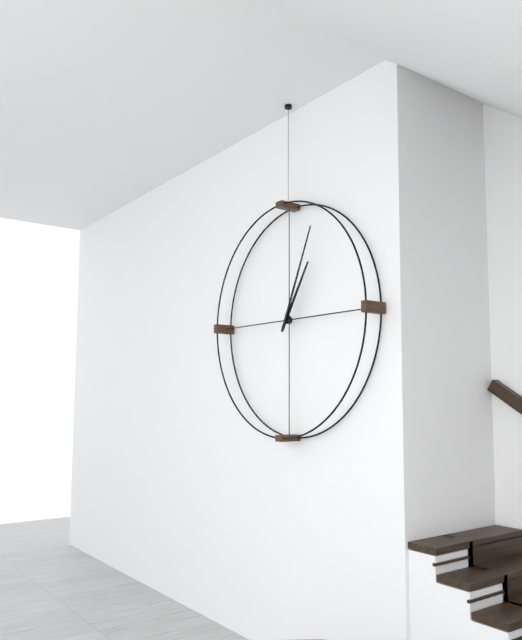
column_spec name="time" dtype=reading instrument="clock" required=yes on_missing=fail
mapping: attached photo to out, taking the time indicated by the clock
1:04
